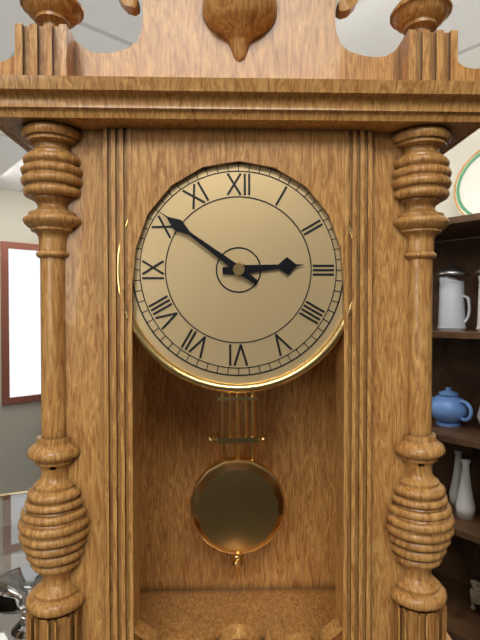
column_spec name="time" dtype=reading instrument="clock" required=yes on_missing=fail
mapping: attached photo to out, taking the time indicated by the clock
2:51
